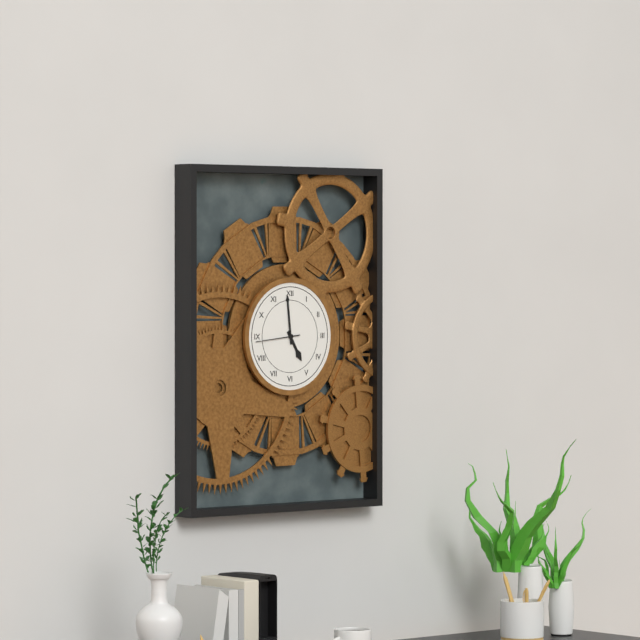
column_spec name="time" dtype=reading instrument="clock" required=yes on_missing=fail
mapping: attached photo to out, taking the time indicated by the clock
4:59
